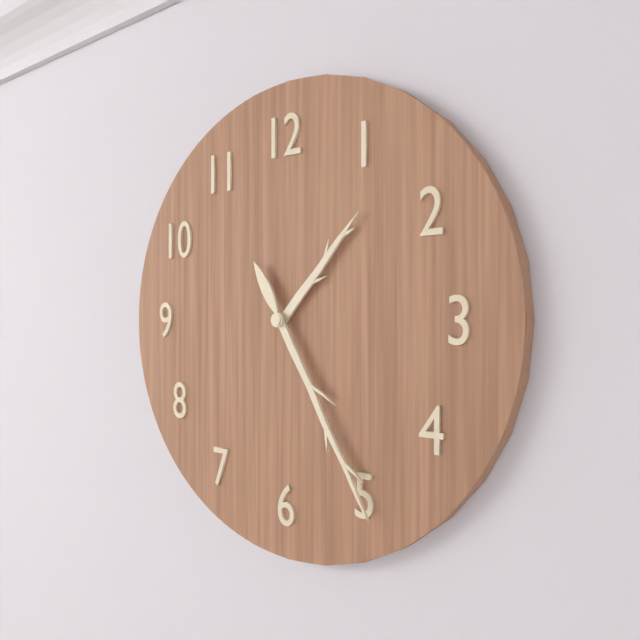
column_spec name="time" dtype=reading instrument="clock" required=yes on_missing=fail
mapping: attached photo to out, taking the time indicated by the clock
1:25
